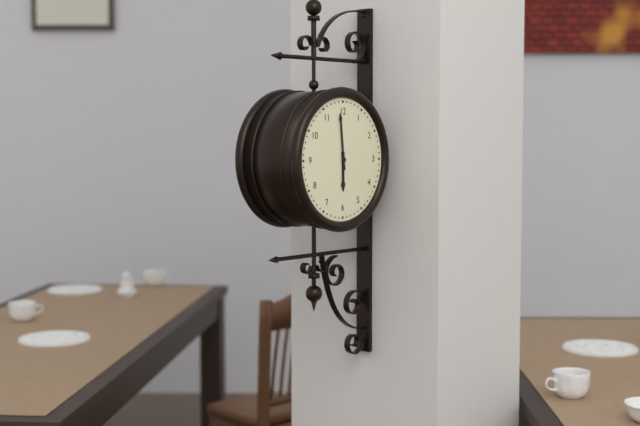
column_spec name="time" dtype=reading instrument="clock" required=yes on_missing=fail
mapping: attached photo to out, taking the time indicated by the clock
5:59
